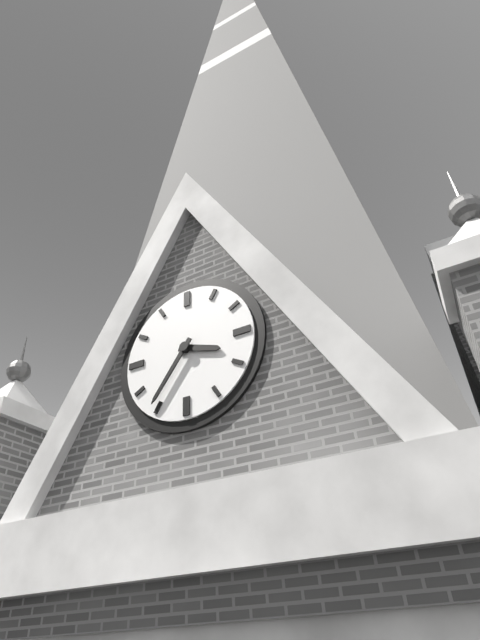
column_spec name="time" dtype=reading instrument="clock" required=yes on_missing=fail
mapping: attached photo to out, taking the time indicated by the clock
3:36
